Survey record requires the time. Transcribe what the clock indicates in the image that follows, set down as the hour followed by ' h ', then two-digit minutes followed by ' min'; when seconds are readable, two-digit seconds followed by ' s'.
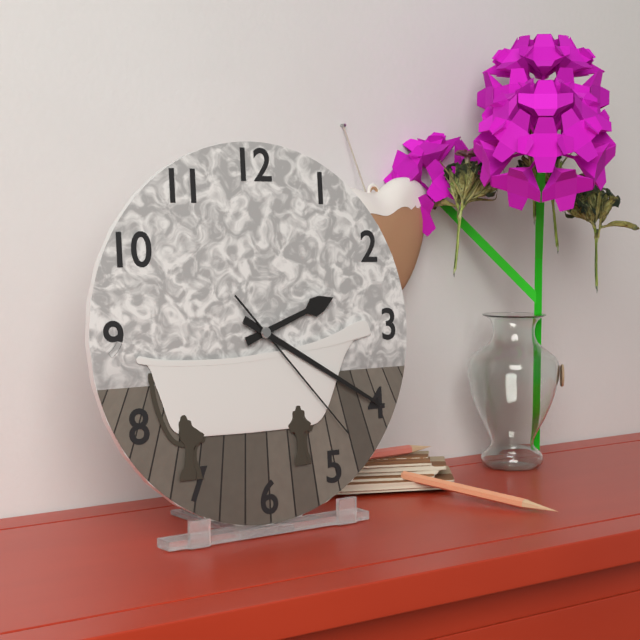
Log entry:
2 h 20 min 23 s
